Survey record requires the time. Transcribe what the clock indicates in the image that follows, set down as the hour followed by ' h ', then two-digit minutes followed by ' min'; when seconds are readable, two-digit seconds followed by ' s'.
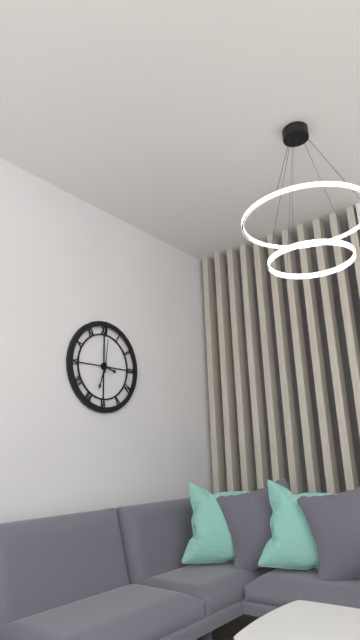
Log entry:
3 h 33 min
